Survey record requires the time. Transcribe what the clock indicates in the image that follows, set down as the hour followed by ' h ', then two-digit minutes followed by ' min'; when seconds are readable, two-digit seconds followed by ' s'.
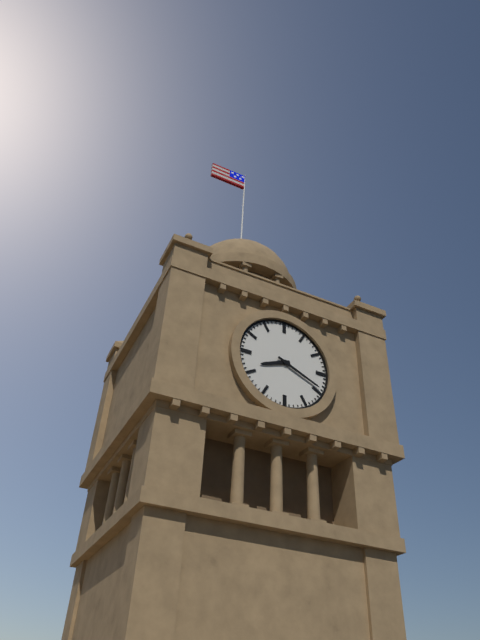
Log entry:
8 h 19 min
